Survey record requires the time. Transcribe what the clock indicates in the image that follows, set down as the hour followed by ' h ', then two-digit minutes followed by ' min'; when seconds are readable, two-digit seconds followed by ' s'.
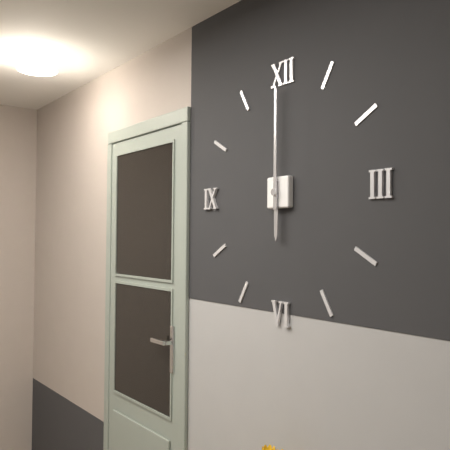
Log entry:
6 h 00 min
